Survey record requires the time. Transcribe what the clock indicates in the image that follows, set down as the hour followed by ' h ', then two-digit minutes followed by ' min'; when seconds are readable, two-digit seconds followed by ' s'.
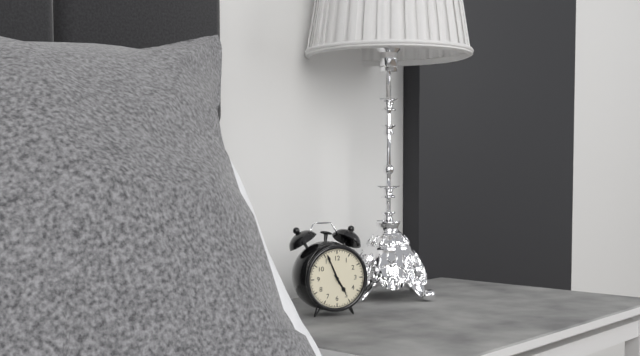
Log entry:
4 h 56 min
